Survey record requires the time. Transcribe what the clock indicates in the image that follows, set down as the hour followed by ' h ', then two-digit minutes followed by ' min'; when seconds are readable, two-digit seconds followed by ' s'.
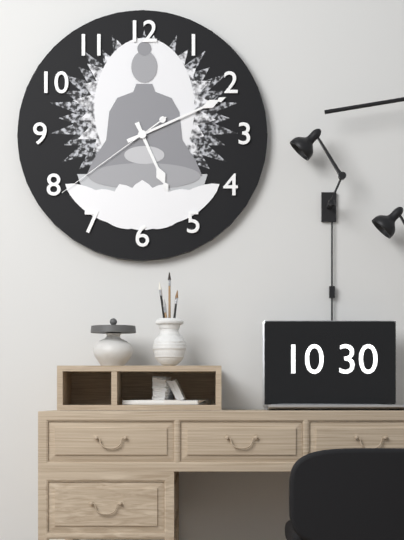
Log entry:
5 h 11 min 39 s
